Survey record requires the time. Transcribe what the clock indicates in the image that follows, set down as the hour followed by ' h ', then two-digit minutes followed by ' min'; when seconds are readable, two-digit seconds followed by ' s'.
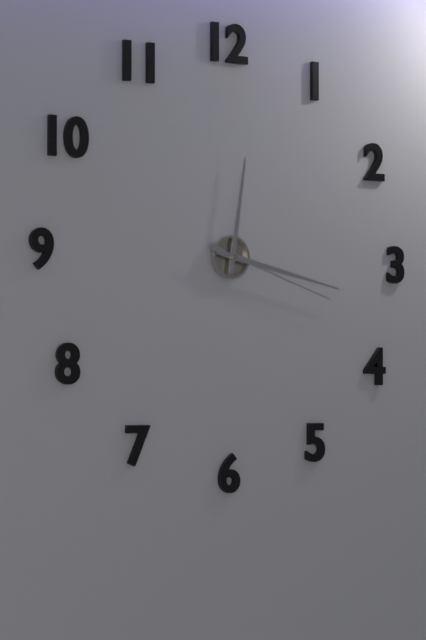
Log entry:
12 h 17 min 18 s
